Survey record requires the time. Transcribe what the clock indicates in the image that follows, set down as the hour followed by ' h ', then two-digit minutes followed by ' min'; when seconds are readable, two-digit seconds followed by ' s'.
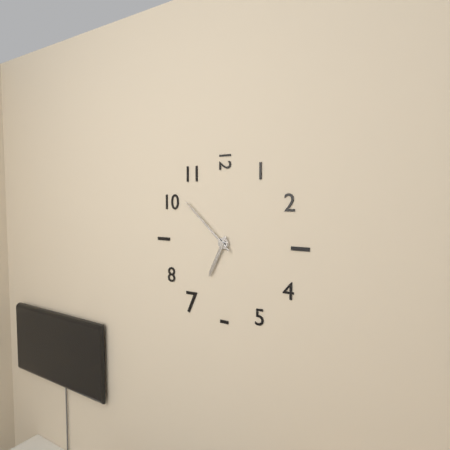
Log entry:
6 h 52 min
